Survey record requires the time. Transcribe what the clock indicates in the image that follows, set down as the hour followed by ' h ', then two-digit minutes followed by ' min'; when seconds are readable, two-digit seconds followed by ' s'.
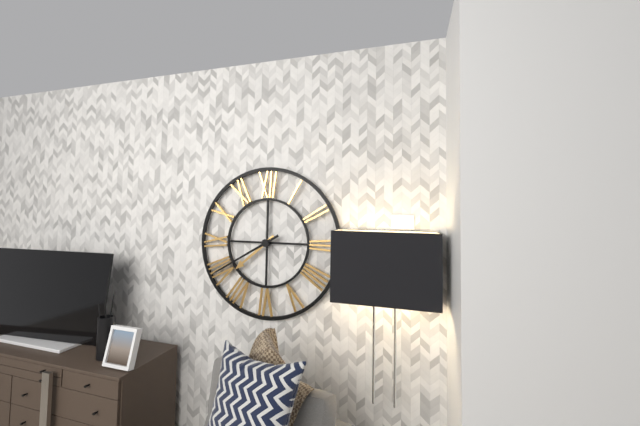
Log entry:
7 h 40 min
